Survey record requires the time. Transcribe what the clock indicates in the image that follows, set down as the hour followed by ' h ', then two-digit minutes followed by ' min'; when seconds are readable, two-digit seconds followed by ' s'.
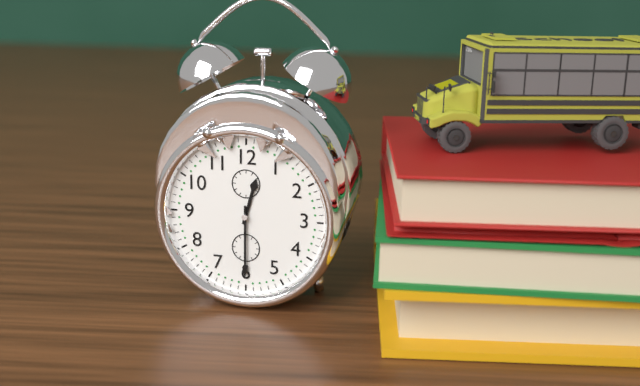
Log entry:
12 h 30 min
